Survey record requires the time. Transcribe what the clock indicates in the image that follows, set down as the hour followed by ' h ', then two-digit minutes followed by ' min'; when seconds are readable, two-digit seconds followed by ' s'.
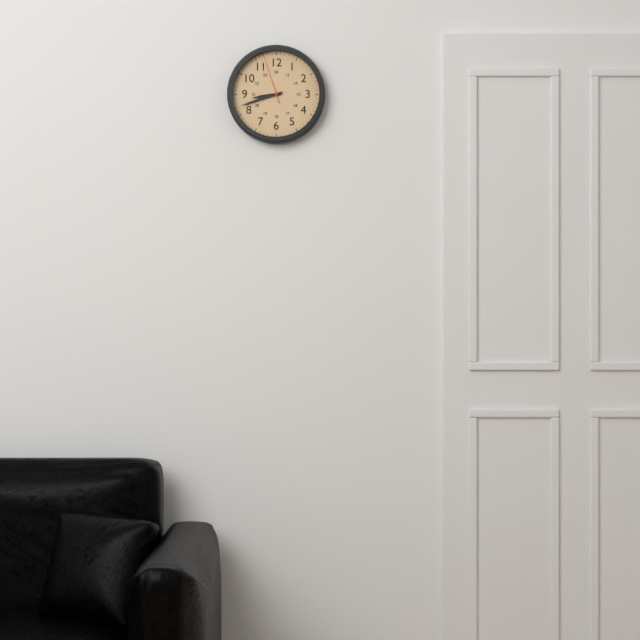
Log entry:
8 h 42 min
